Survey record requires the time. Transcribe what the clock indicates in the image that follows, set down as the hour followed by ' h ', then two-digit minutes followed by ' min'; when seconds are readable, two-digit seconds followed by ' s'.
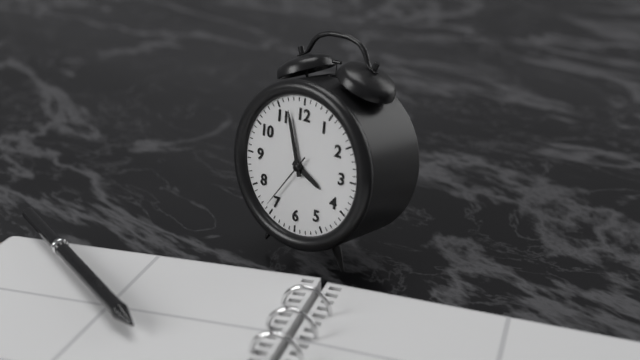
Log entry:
3 h 57 min 36 s
